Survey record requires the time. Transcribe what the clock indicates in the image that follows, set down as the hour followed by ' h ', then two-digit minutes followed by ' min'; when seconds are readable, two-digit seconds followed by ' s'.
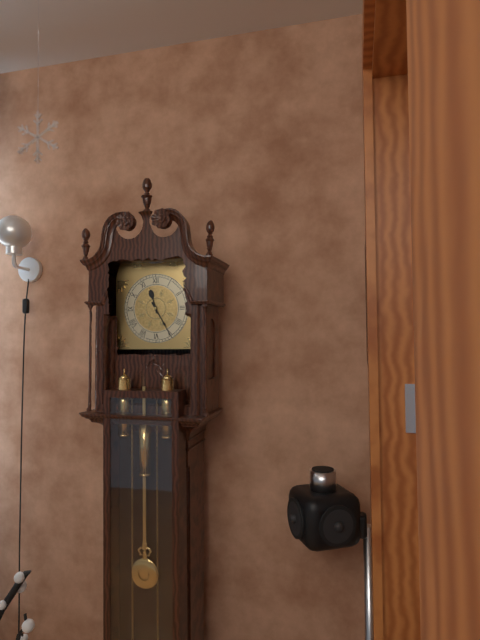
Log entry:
11 h 25 min
